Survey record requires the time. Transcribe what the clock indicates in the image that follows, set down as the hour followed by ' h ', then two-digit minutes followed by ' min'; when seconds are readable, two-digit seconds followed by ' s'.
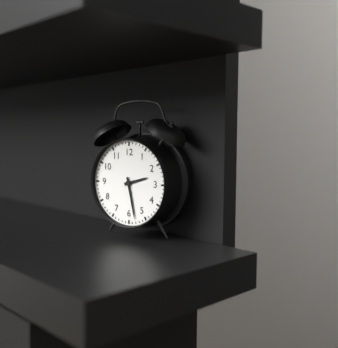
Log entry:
2 h 28 min
